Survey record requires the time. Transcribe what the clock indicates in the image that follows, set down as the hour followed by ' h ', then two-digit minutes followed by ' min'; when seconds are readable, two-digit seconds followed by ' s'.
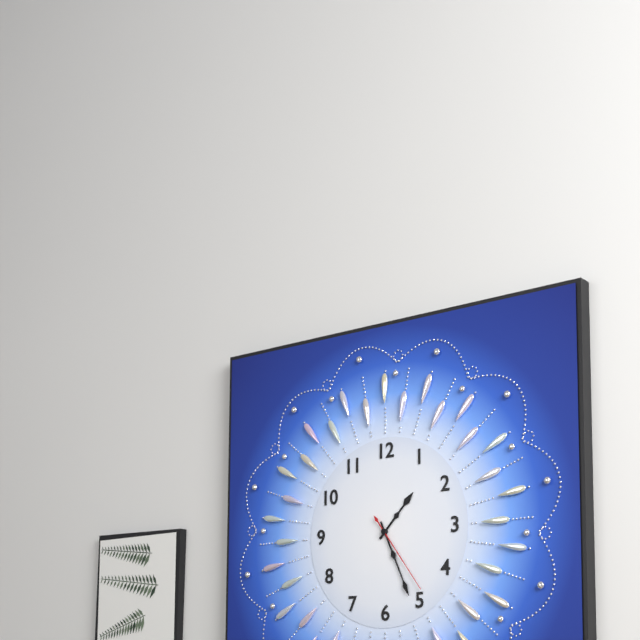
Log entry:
1 h 26 min 24 s
